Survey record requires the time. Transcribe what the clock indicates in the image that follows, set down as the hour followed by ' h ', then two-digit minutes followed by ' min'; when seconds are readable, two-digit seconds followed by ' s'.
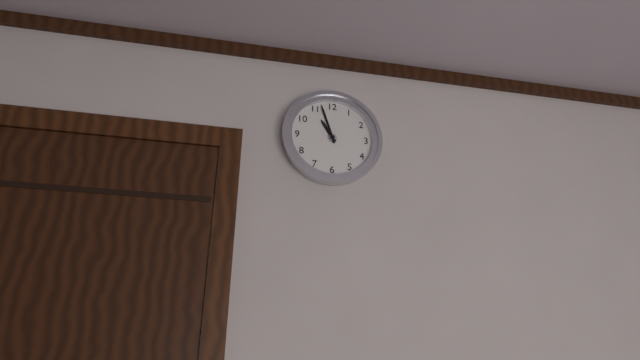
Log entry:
10 h 57 min
